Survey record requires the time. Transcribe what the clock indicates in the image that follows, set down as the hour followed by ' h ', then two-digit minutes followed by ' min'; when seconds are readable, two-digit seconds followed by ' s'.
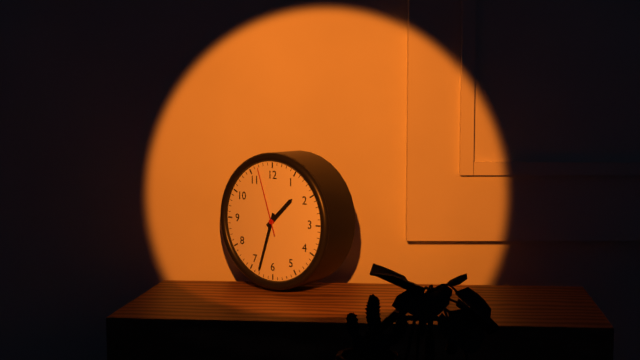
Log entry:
1 h 33 min 57 s
